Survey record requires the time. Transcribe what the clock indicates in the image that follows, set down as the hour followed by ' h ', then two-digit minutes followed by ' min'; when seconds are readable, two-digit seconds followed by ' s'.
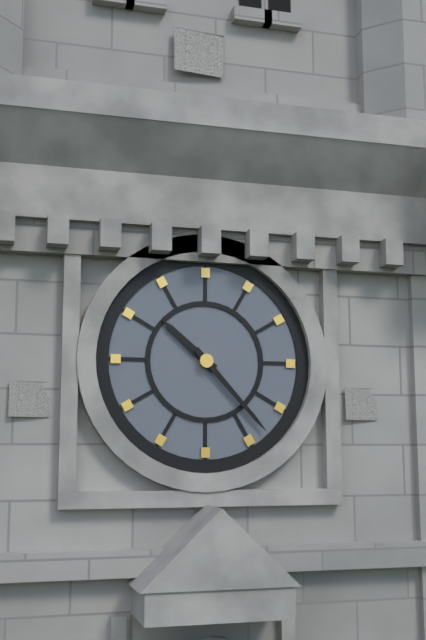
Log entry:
10 h 23 min
